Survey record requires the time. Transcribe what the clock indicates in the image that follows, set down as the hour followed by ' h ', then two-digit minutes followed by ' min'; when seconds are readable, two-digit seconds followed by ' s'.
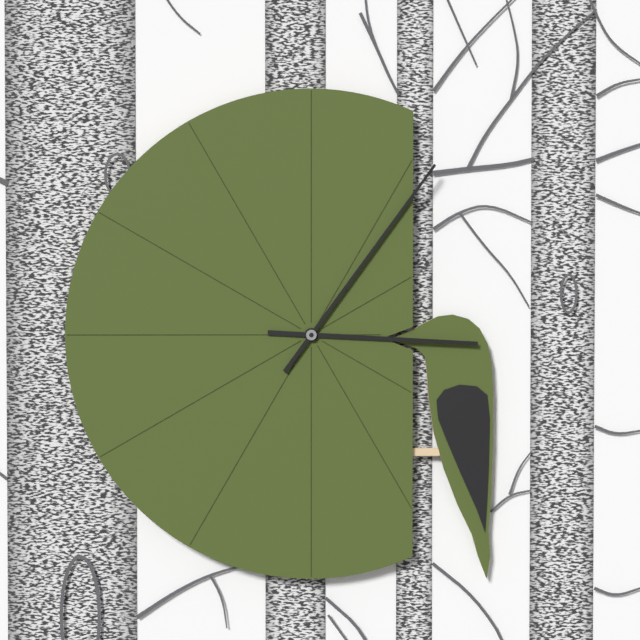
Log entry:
3 h 06 min
